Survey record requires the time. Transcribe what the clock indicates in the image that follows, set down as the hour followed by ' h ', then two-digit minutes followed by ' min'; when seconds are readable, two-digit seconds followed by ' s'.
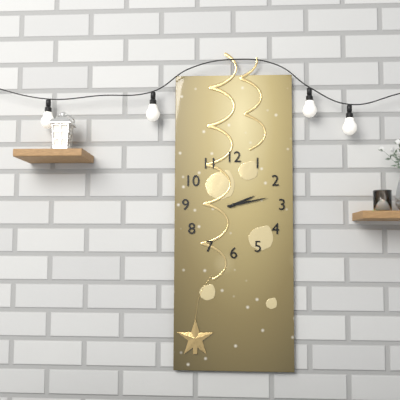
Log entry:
2 h 13 min
